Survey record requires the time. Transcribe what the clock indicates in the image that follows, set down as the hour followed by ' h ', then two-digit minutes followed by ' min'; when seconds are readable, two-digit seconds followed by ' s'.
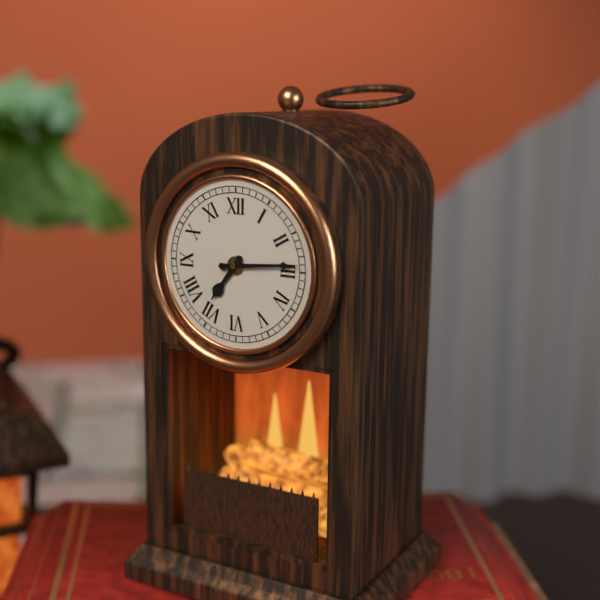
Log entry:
7 h 14 min
